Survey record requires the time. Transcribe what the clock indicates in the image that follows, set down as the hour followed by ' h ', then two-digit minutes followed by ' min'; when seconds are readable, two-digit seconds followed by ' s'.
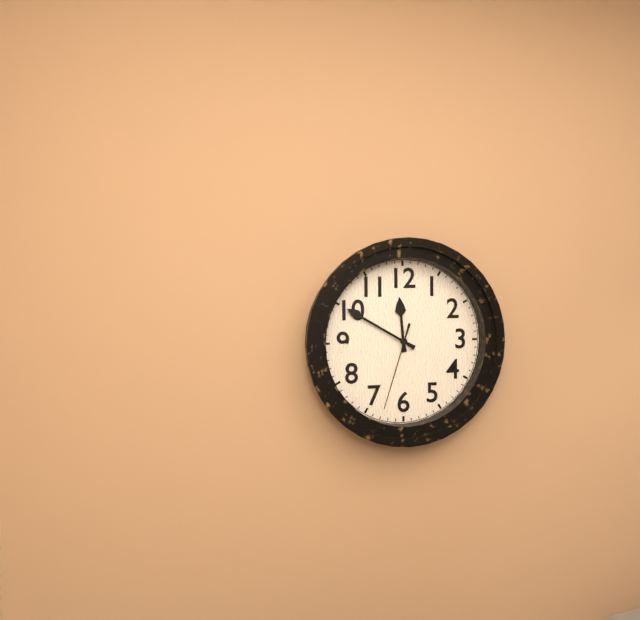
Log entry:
11 h 50 min 33 s
